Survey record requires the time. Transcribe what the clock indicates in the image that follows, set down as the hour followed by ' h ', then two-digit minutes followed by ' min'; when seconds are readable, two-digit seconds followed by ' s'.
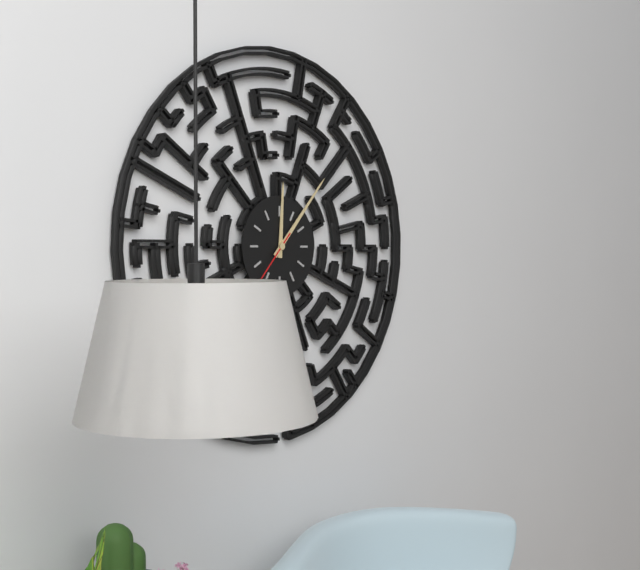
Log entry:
12 h 07 min
